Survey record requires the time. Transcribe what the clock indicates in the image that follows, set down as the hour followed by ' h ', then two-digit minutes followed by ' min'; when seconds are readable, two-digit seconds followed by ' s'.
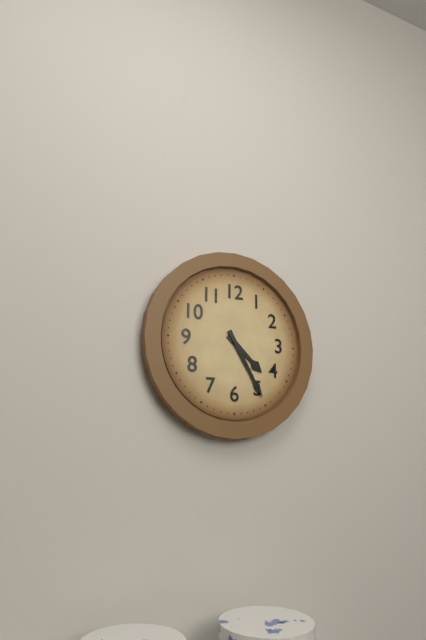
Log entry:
4 h 25 min
